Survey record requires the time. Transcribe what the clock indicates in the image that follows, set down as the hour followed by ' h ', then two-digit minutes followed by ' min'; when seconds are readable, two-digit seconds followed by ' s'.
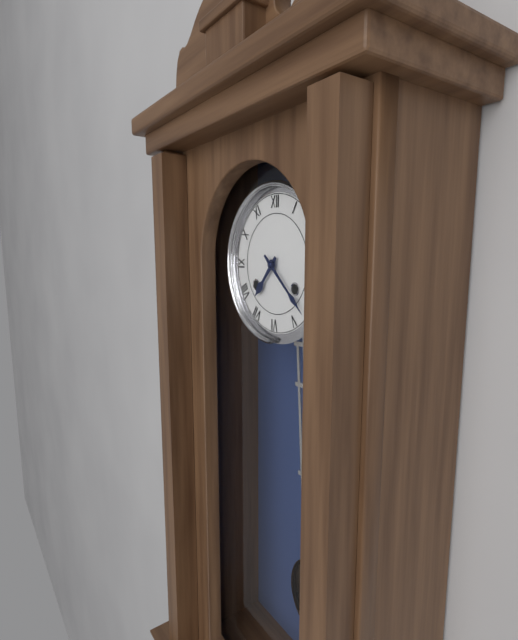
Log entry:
7 h 22 min
